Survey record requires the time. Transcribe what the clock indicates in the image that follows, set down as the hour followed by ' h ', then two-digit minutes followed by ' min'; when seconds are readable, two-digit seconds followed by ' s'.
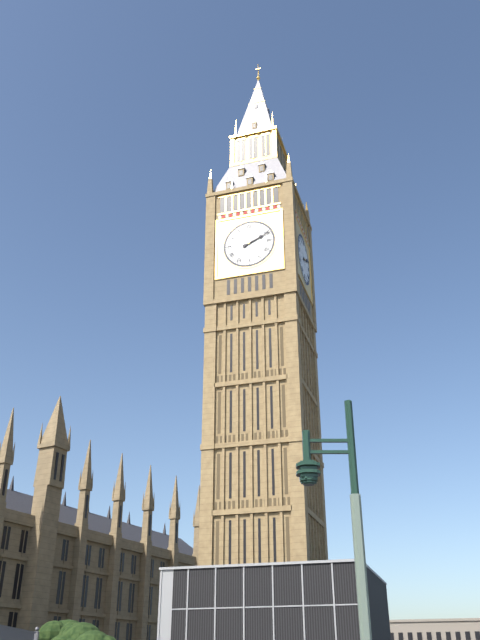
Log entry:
2 h 11 min
